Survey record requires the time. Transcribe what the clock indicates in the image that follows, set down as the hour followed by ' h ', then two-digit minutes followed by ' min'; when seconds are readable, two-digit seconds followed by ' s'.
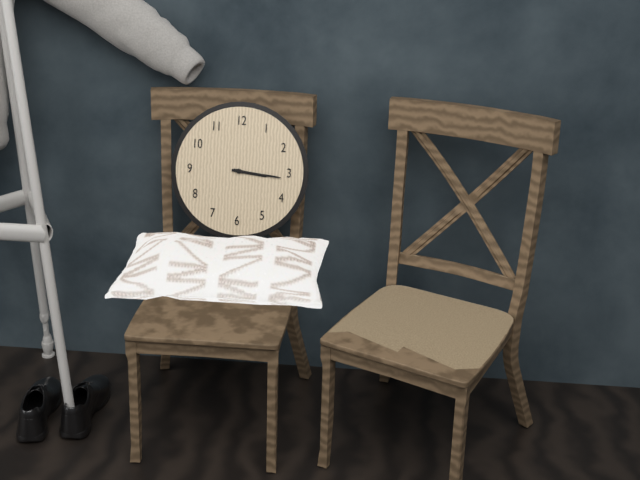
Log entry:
3 h 16 min
